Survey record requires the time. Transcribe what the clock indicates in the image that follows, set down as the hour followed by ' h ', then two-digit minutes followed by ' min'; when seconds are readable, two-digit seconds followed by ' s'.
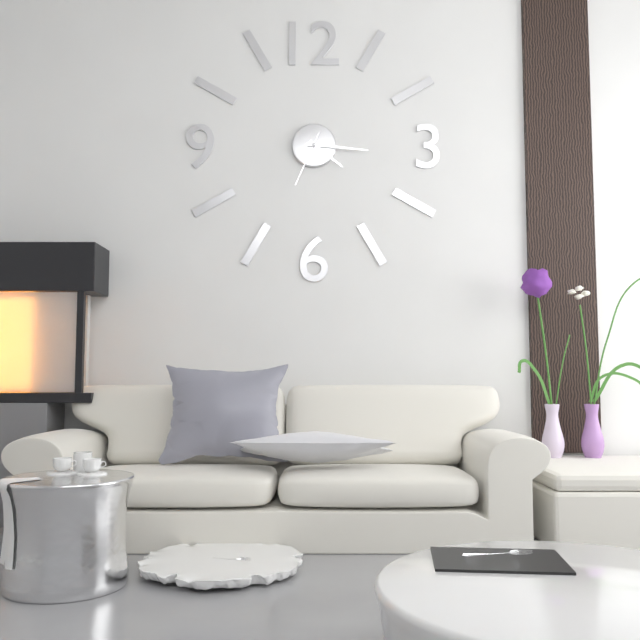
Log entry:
4 h 16 min 34 s
